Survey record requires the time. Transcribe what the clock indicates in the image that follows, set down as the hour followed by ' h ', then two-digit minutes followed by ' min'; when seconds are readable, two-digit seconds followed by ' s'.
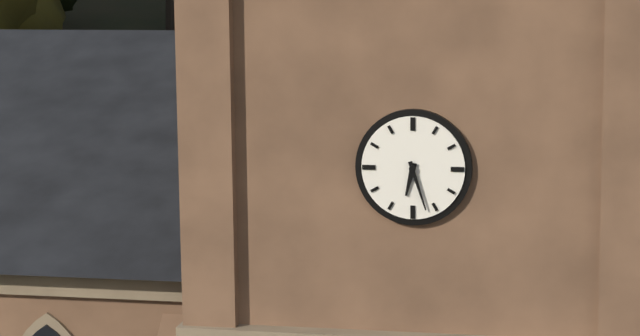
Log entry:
6 h 27 min
